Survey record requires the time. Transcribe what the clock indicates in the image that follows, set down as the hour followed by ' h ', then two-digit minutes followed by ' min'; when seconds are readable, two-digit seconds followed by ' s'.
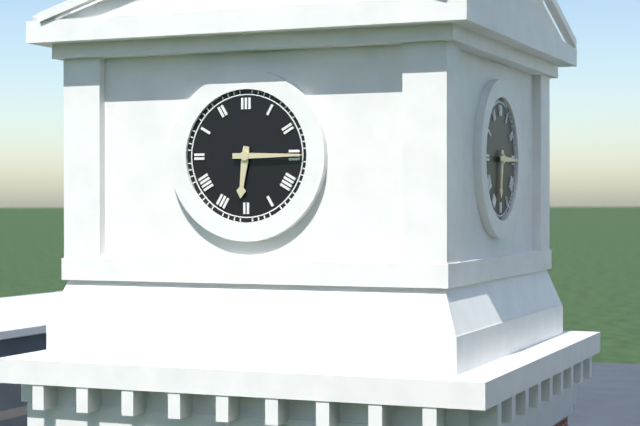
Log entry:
6 h 15 min
